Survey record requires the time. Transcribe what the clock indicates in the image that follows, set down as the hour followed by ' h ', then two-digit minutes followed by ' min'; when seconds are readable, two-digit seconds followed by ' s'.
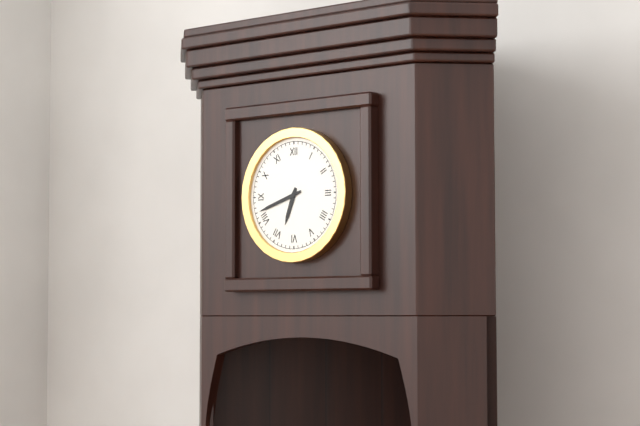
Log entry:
6 h 42 min
